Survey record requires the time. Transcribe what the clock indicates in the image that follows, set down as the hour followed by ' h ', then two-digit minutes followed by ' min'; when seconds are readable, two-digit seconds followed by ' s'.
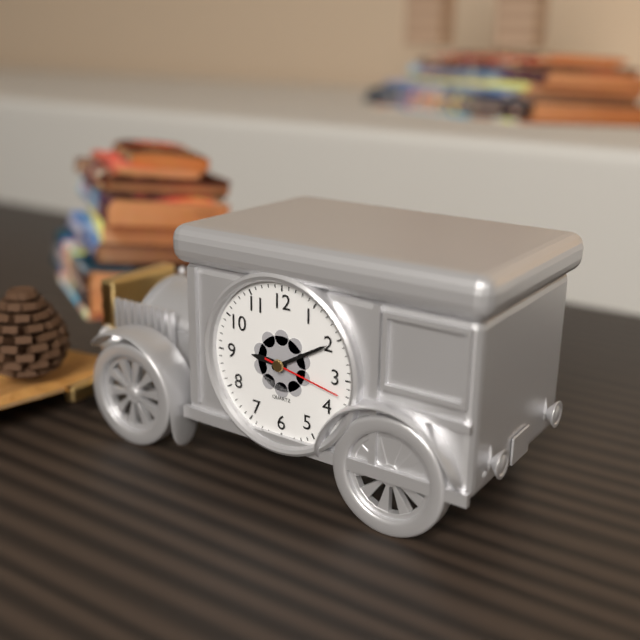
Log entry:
9 h 10 min 17 s
